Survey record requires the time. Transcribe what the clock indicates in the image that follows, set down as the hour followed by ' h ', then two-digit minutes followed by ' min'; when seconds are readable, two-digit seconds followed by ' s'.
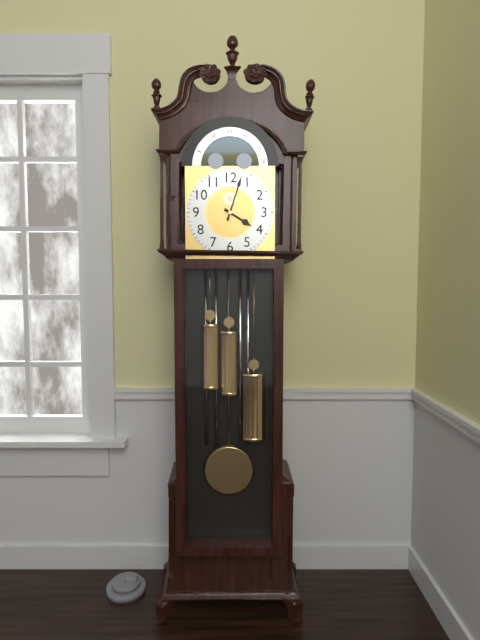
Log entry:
4 h 03 min
